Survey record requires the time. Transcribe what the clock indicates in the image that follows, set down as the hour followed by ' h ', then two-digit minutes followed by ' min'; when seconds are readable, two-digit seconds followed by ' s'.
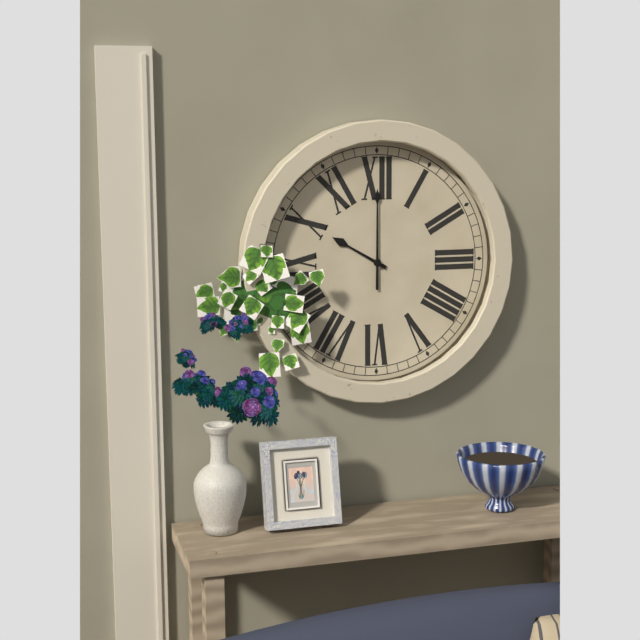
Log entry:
10 h 00 min
